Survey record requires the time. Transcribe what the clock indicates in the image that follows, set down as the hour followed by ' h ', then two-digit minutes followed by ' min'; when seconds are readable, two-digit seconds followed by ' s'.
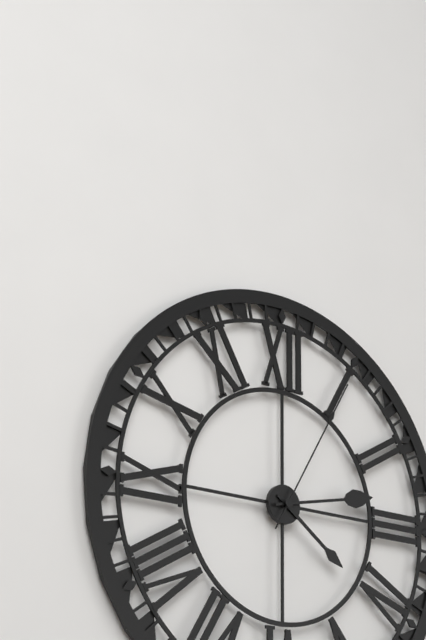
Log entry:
4 h 13 min 05 s
